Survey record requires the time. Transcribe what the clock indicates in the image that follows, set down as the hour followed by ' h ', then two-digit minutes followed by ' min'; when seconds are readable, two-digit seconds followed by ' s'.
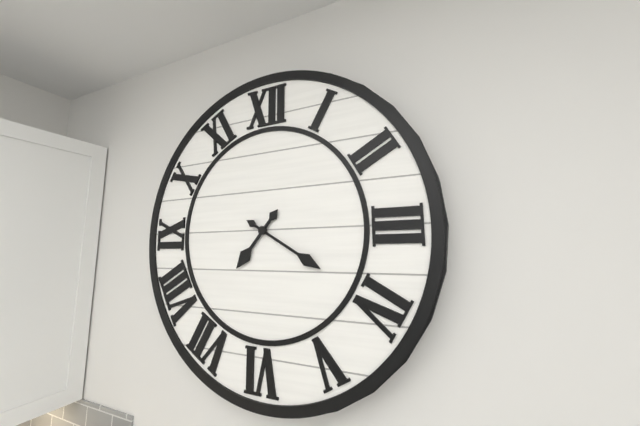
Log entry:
7 h 20 min
